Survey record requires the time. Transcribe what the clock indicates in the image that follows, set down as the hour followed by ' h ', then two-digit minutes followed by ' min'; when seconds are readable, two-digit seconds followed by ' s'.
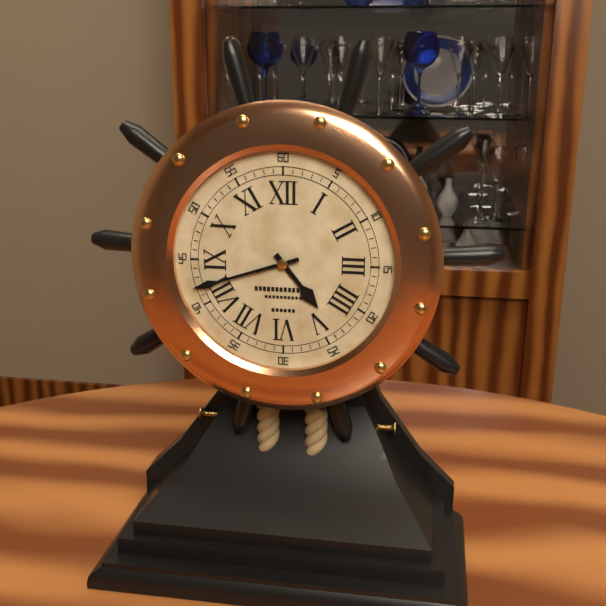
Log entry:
4 h 42 min
